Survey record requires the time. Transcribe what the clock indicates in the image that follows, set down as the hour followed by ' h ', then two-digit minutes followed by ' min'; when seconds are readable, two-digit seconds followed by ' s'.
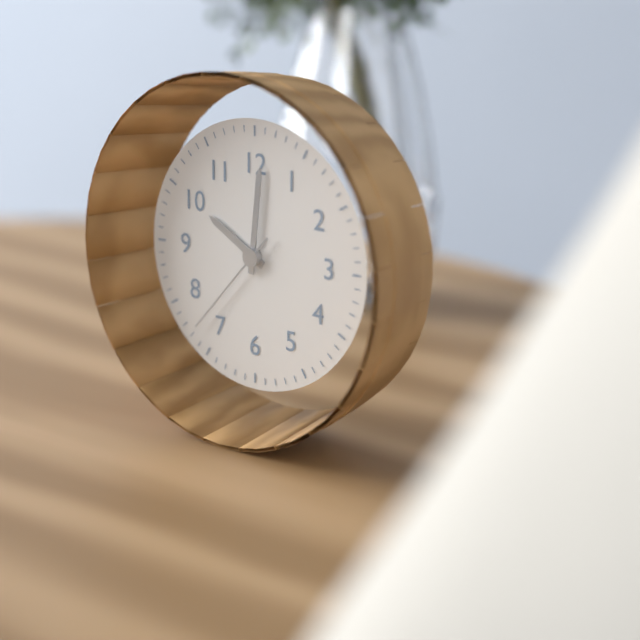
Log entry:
10 h 01 min 37 s
